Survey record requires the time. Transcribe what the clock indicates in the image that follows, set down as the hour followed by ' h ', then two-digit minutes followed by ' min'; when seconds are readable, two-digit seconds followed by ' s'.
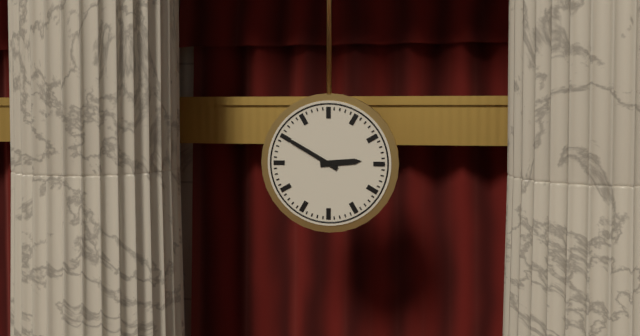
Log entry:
2 h 50 min
